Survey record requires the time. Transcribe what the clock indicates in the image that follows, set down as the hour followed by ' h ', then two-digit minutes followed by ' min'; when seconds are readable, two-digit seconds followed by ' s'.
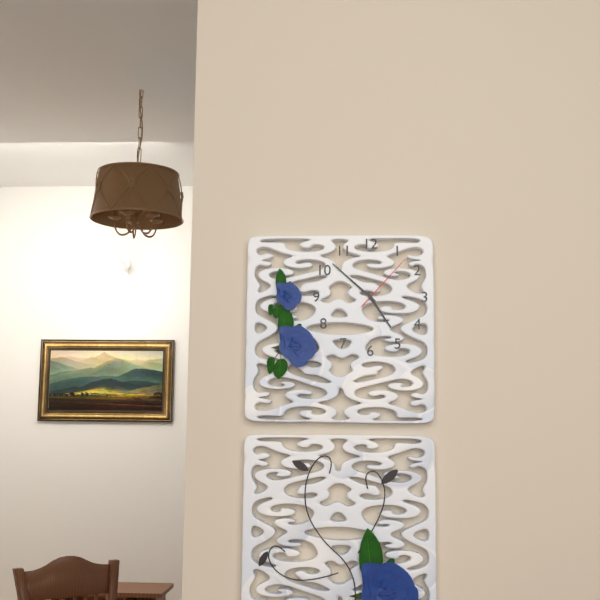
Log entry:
4 h 52 min 07 s
